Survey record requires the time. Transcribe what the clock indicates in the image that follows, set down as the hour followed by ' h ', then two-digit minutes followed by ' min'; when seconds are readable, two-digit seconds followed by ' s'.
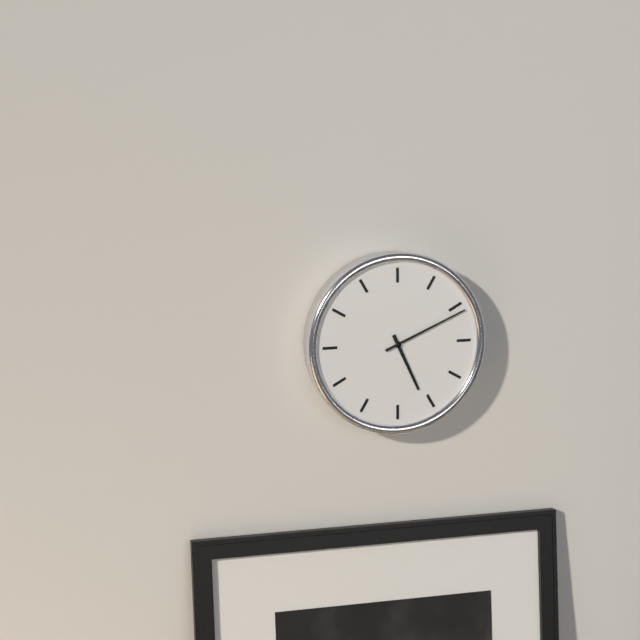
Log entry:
5 h 11 min
